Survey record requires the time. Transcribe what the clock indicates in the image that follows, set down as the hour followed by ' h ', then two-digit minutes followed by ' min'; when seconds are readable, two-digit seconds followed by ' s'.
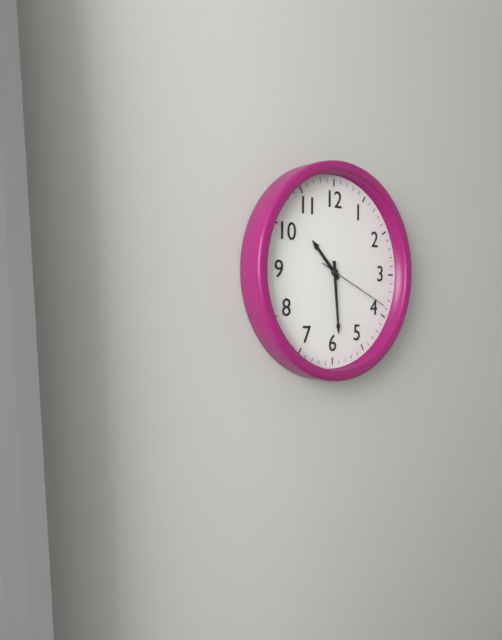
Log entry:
10 h 29 min 19 s
